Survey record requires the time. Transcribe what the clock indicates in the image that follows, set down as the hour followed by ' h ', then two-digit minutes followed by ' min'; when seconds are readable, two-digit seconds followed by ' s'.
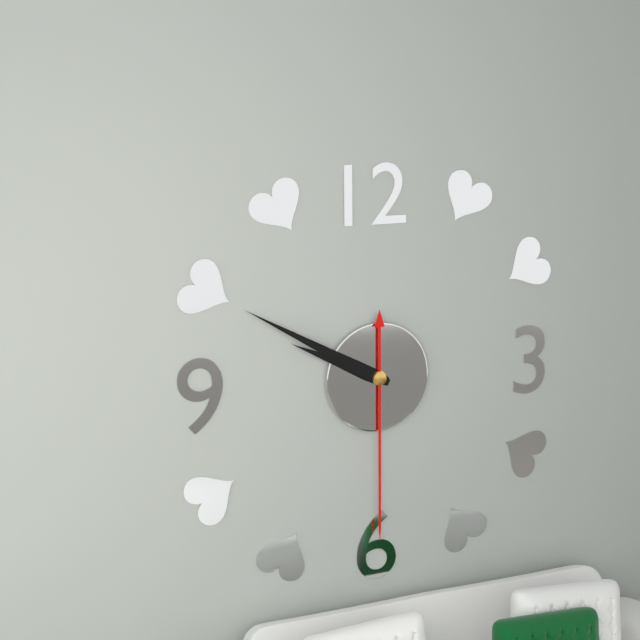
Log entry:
9 h 50 min 30 s
